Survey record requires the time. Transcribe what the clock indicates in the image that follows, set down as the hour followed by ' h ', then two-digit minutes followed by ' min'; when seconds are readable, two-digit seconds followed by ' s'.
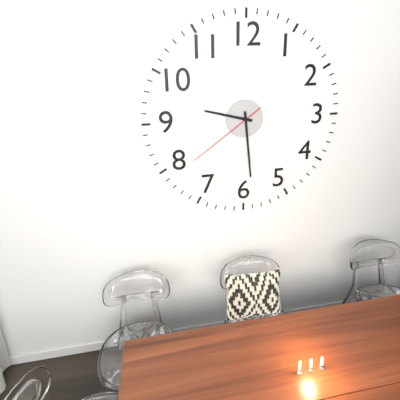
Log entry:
9 h 29 min 39 s
